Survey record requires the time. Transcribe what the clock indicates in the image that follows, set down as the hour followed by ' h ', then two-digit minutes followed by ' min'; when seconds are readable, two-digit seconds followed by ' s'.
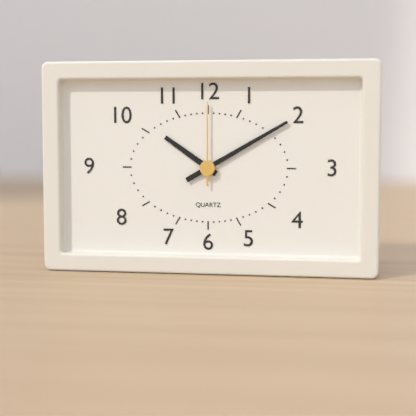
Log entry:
10 h 10 min 00 s
